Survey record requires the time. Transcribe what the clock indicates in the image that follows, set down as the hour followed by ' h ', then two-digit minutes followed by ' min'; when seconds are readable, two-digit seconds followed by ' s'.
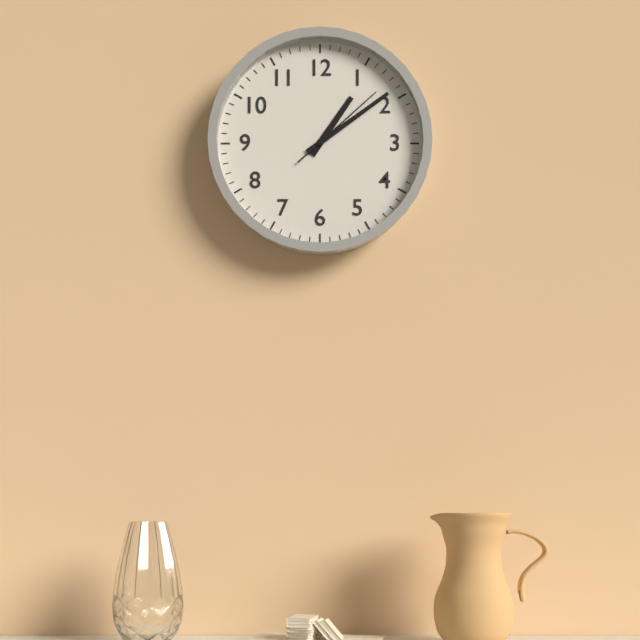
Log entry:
1 h 09 min 08 s
